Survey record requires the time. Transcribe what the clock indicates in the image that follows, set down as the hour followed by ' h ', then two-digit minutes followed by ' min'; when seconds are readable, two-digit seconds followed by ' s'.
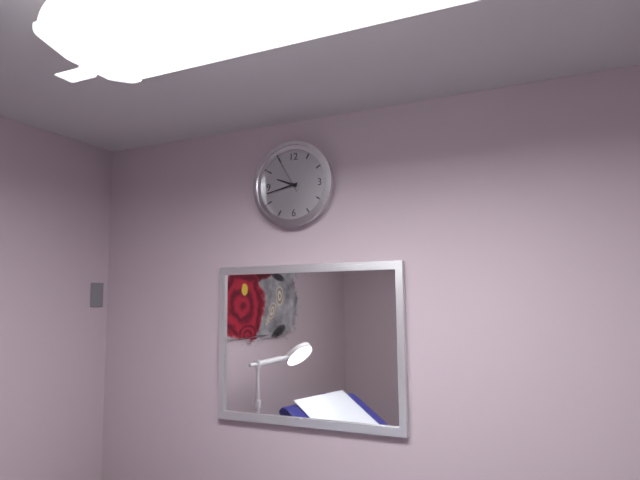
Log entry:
9 h 43 min
